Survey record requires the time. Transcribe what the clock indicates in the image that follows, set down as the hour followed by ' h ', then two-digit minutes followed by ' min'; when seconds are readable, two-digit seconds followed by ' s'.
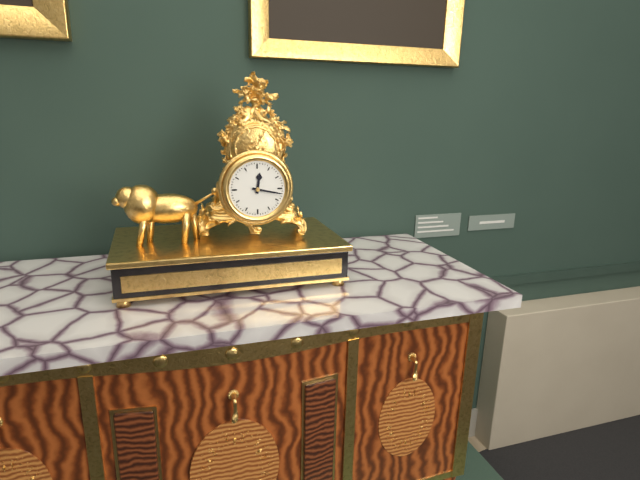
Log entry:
12 h 17 min
